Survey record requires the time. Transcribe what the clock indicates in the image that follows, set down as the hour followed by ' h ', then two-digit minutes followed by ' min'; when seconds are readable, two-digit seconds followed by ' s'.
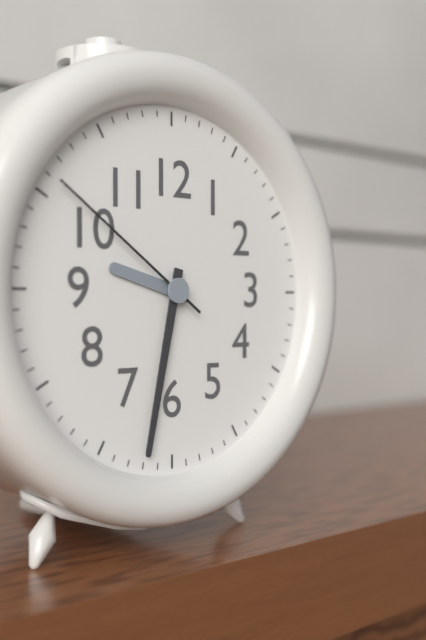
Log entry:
9 h 32 min 51 s
